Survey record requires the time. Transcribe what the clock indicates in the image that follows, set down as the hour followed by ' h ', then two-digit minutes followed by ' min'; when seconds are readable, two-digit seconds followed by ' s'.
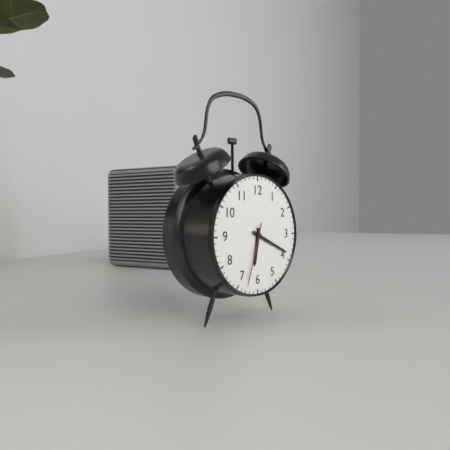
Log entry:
6 h 19 min 33 s
